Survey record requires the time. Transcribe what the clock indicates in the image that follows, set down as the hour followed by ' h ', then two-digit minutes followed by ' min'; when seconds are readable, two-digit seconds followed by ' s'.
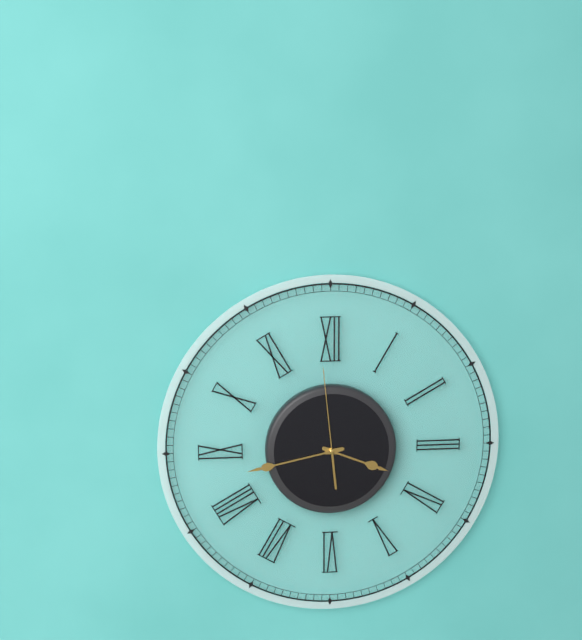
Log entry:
3 h 43 min 59 s
